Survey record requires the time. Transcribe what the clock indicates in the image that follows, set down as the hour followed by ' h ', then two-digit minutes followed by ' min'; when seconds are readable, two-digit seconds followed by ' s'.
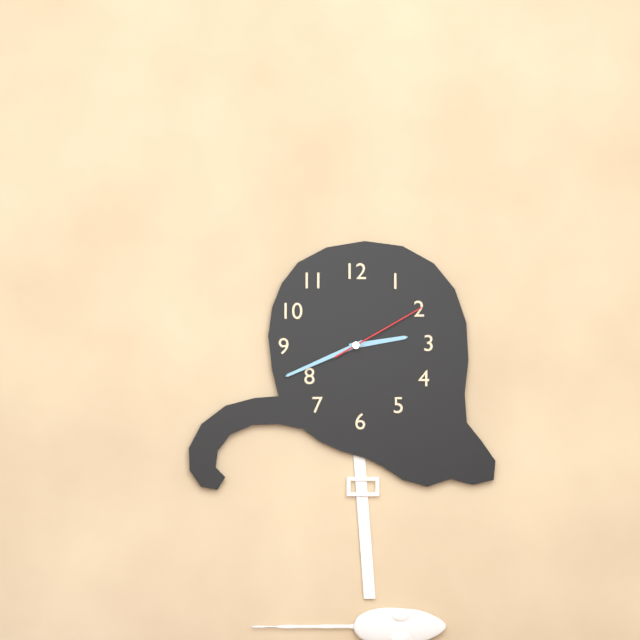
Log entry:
2 h 41 min 10 s
